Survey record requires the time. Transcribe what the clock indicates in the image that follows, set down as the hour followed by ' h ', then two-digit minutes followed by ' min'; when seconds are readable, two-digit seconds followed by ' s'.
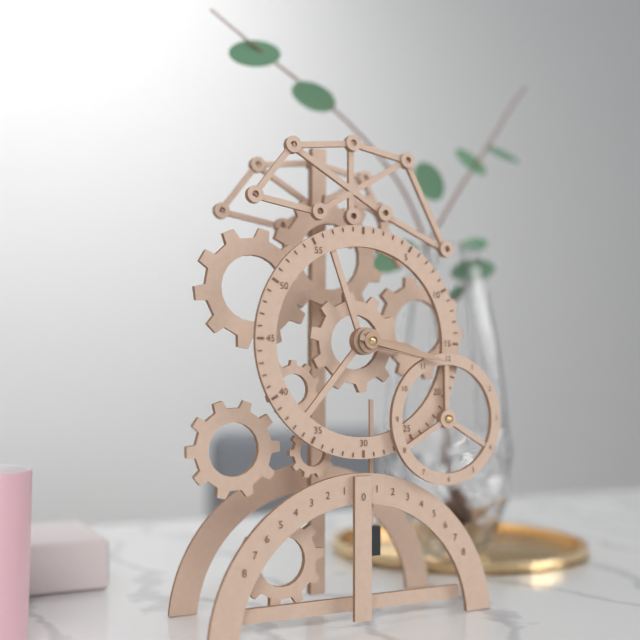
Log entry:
3 h 17 min
